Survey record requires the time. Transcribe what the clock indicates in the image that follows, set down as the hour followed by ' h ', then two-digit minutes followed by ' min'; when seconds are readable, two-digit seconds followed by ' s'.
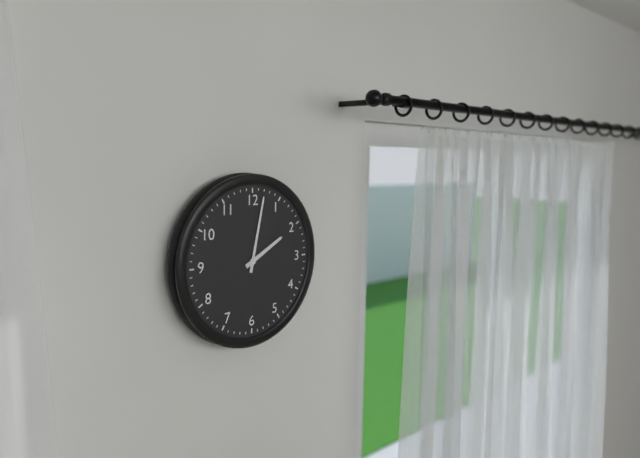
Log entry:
2 h 02 min
